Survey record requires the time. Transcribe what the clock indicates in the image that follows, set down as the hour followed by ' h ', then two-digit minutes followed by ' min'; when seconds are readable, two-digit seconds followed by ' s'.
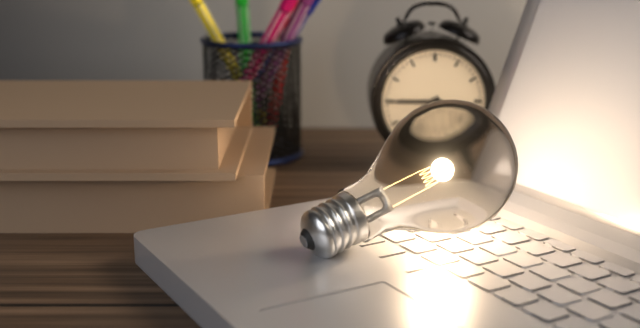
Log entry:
7 h 45 min
